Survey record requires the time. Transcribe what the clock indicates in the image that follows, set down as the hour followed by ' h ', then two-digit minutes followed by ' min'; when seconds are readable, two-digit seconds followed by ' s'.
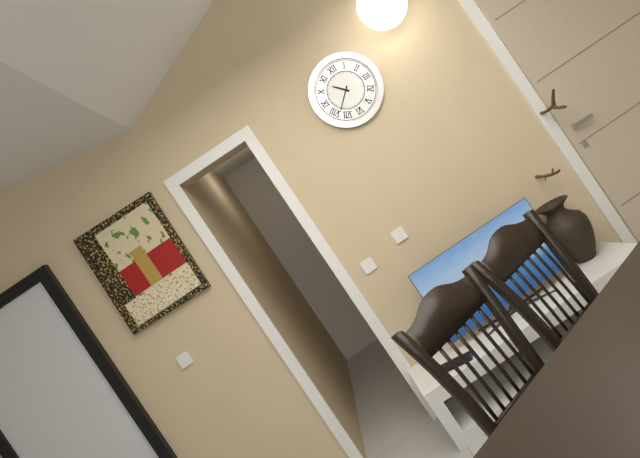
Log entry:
10 h 38 min
